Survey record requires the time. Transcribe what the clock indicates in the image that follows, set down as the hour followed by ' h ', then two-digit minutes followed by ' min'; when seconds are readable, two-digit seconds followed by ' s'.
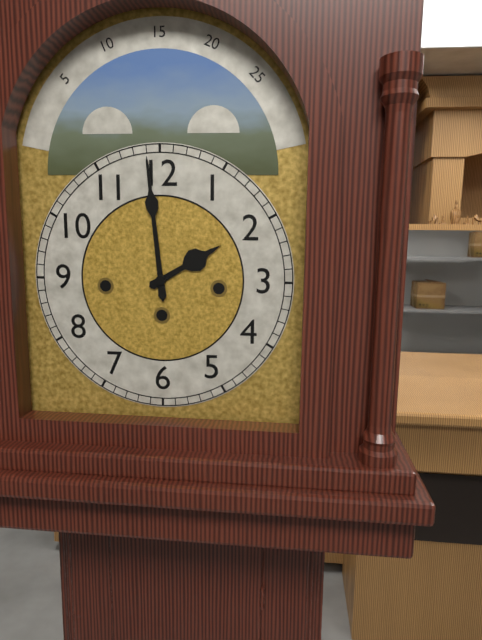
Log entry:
1 h 59 min
